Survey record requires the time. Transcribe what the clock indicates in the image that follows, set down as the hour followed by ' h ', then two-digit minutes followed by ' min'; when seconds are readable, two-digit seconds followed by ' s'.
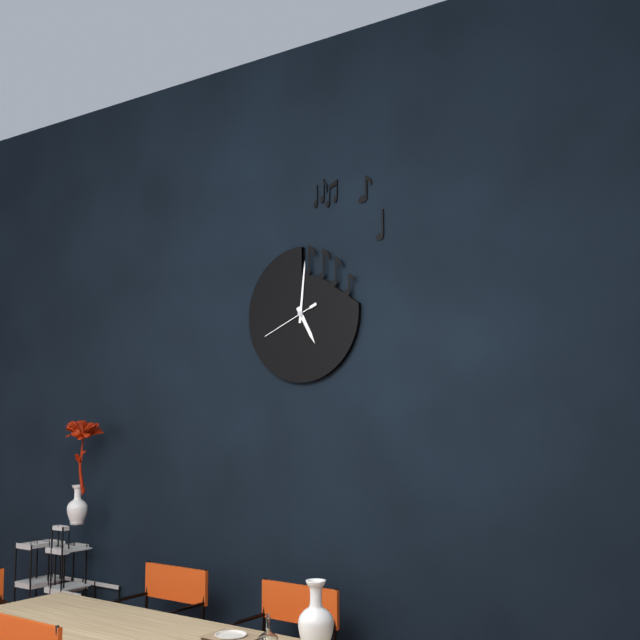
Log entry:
5 h 01 min 41 s
